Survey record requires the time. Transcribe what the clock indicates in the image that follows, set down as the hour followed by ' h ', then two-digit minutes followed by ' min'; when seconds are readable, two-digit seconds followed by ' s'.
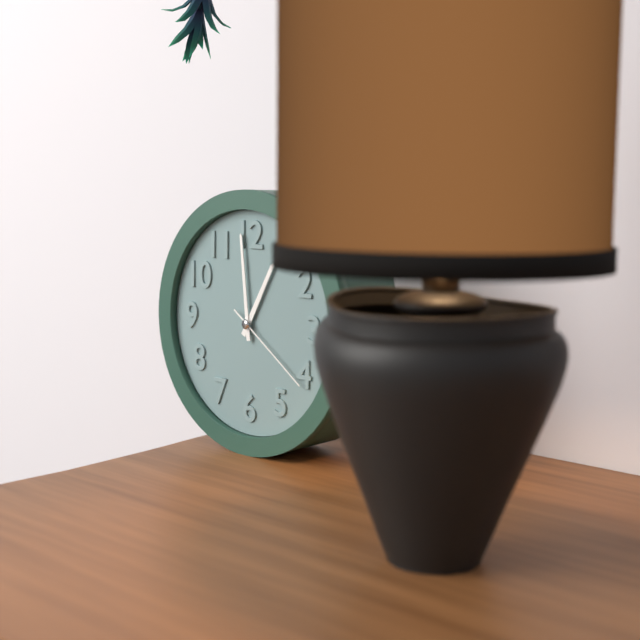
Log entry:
12 h 59 min 21 s
